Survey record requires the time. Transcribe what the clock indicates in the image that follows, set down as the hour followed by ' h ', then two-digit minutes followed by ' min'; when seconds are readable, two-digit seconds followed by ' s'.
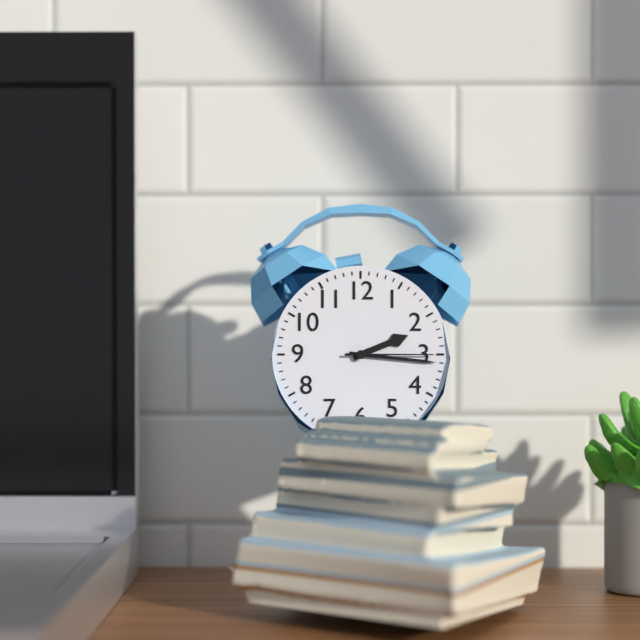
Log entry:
2 h 16 min 15 s
